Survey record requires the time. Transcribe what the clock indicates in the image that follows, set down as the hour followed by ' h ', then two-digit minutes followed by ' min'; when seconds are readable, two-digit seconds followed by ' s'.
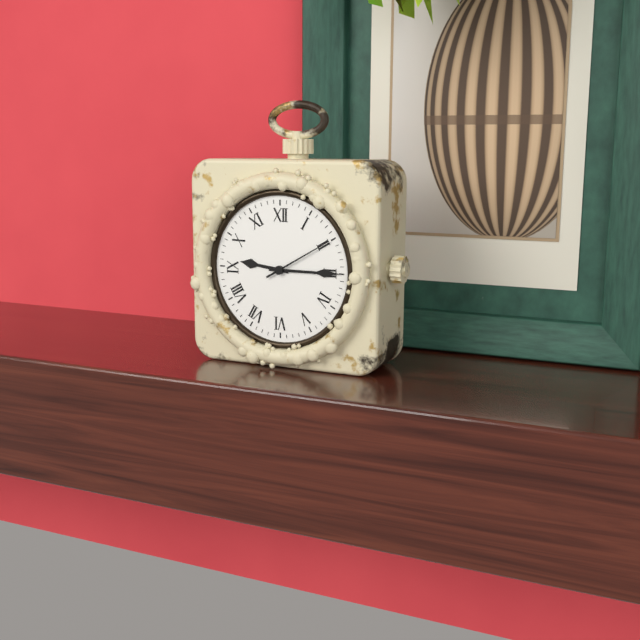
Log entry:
9 h 15 min 10 s
